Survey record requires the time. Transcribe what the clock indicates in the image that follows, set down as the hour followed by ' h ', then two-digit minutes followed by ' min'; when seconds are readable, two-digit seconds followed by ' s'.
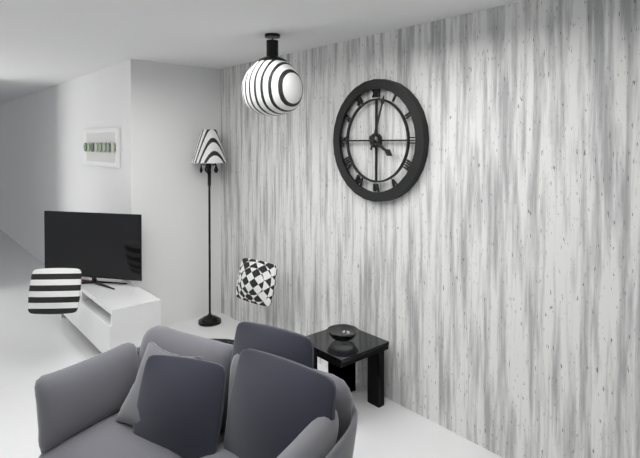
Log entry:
4 h 03 min
